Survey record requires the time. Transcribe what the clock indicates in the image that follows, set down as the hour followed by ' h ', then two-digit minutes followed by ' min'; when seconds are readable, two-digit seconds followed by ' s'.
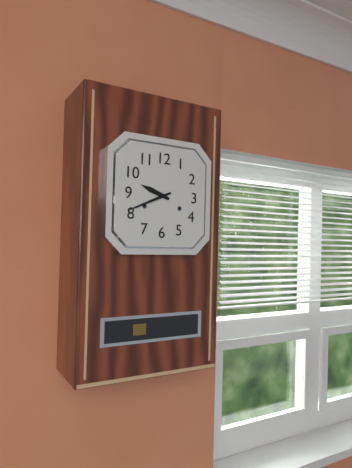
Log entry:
9 h 41 min
